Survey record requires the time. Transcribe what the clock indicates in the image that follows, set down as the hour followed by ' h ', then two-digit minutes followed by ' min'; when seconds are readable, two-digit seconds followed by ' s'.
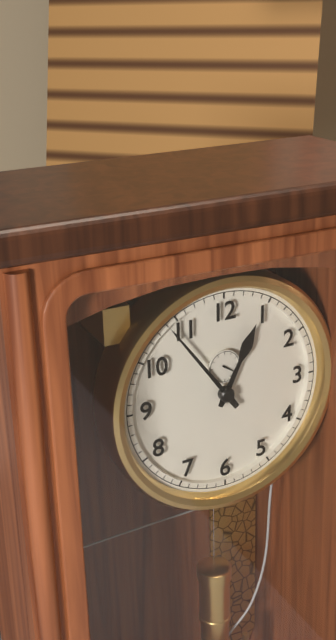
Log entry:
12 h 54 min
